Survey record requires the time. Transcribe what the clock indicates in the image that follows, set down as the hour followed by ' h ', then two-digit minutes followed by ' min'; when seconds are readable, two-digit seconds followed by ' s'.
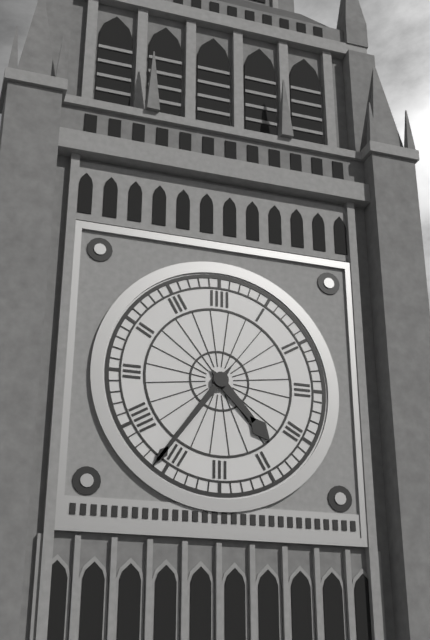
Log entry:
4 h 36 min
